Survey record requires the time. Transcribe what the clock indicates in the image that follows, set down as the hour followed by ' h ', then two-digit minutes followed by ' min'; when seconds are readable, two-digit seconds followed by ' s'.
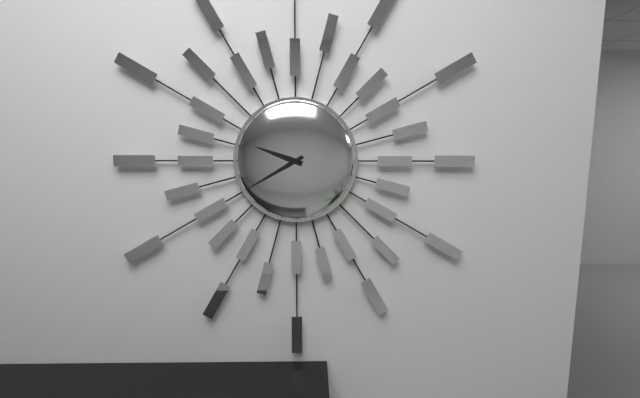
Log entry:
9 h 40 min
